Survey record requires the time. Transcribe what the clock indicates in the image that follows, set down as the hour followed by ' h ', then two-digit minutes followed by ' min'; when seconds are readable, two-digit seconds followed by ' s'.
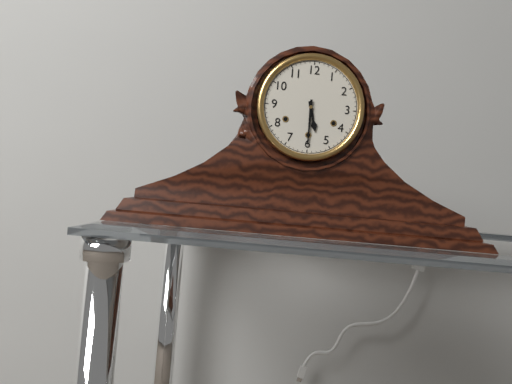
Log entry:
5 h 30 min
